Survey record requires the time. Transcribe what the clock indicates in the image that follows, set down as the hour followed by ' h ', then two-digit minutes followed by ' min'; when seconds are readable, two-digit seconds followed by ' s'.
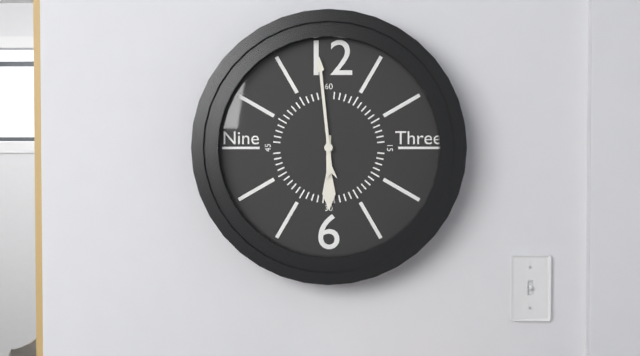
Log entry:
5 h 59 min
